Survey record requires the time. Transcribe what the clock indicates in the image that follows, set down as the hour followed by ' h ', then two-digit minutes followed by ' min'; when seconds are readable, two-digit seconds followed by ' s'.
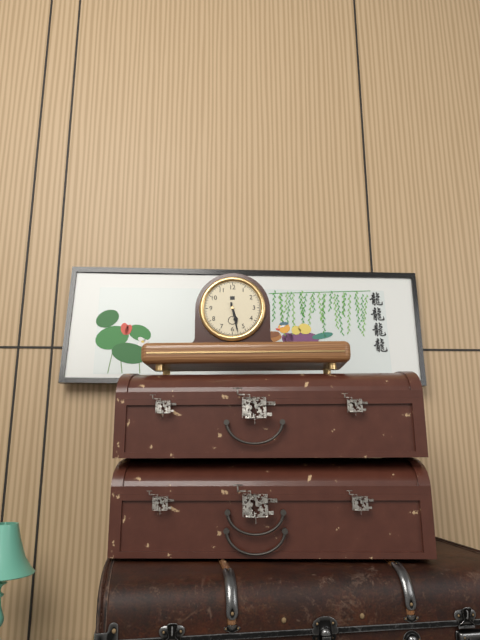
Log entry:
5 h 28 min
